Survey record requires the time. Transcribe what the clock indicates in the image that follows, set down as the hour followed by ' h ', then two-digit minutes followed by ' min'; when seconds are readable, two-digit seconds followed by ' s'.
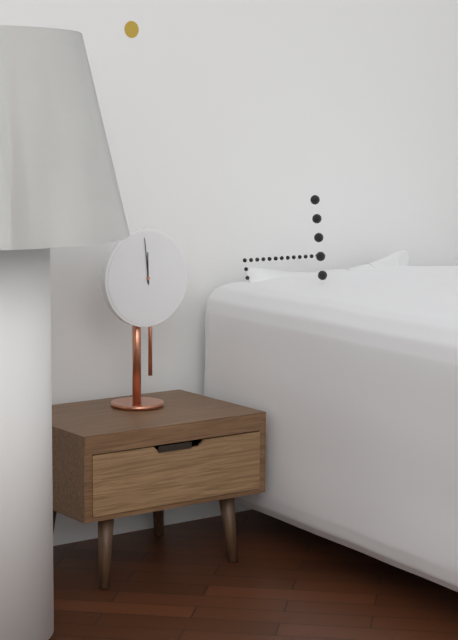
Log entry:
11 h 59 min
